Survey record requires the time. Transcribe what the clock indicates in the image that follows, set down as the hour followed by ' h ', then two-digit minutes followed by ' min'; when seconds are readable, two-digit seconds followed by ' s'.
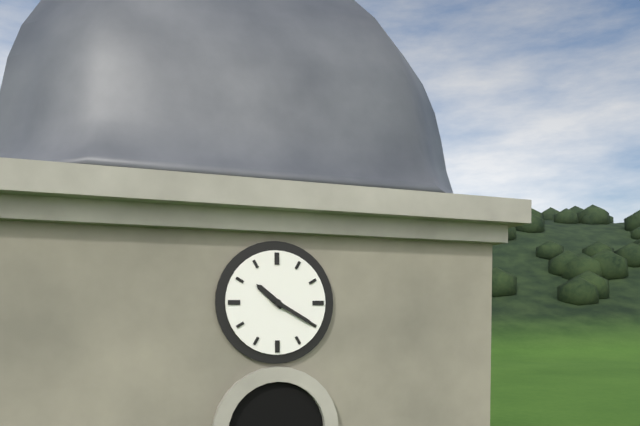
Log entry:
10 h 20 min
